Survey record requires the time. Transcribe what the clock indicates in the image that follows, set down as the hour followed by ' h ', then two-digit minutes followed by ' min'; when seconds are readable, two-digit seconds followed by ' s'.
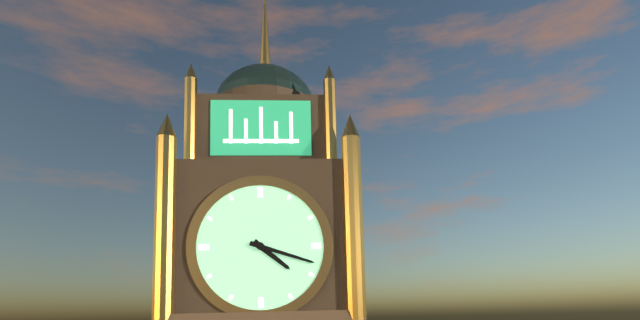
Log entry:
4 h 18 min
